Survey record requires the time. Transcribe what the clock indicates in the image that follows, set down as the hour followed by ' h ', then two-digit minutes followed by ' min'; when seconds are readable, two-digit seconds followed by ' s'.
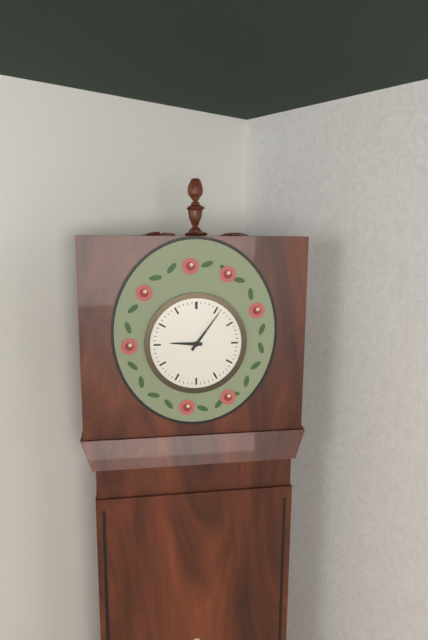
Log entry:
9 h 06 min
